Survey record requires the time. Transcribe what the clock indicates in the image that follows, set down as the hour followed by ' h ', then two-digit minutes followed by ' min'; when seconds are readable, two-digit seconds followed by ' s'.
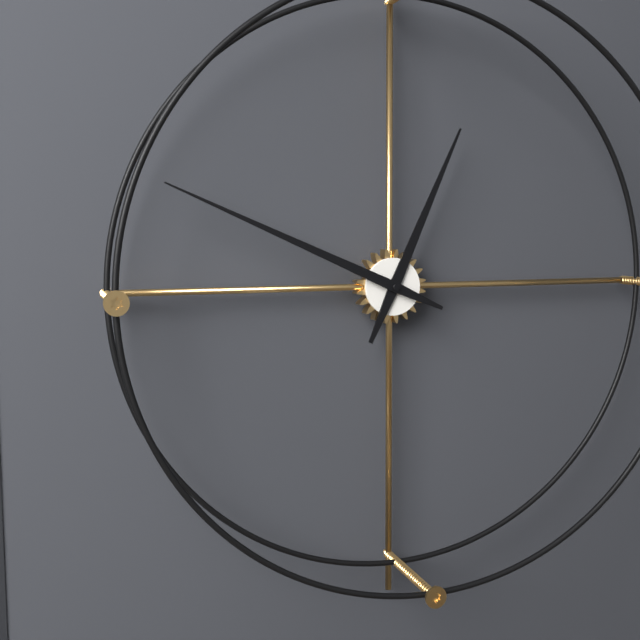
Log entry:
12 h 49 min
